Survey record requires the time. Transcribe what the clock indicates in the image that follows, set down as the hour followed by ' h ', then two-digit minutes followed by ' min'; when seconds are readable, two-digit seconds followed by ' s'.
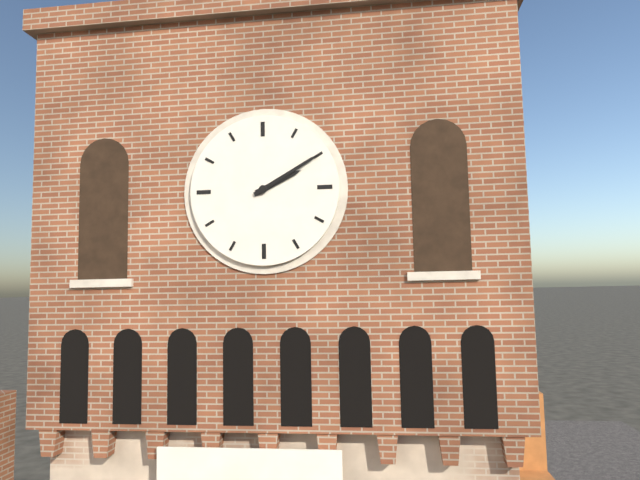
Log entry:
2 h 10 min
